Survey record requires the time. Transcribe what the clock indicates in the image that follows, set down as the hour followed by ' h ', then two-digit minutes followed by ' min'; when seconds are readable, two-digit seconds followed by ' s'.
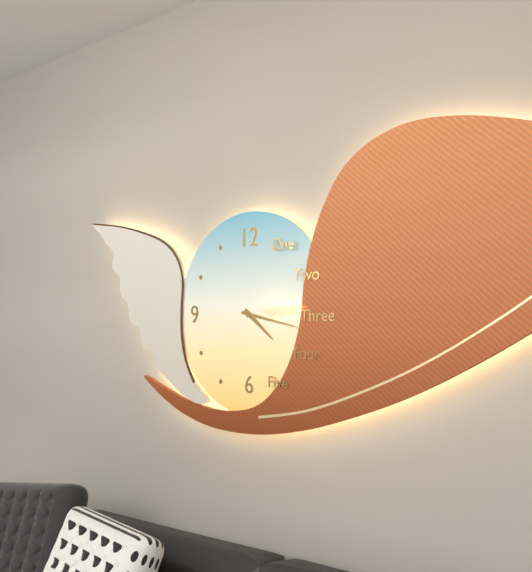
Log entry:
4 h 17 min
